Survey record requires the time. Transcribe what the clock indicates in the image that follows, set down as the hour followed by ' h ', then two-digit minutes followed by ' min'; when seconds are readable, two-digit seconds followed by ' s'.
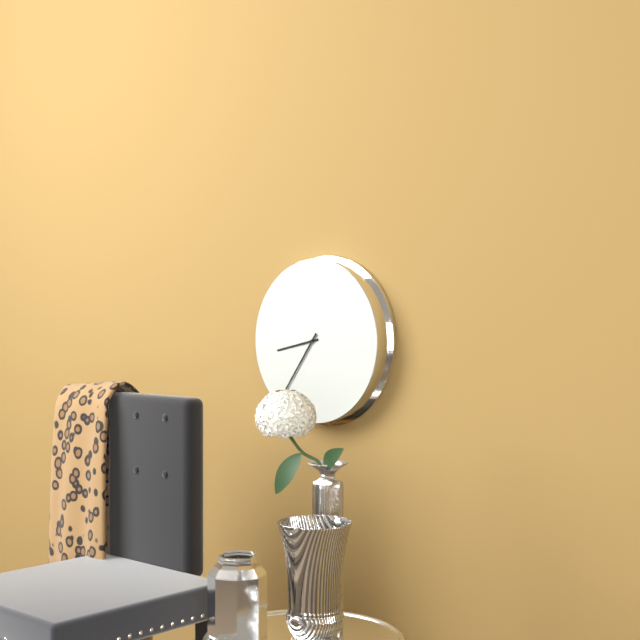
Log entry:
8 h 36 min
